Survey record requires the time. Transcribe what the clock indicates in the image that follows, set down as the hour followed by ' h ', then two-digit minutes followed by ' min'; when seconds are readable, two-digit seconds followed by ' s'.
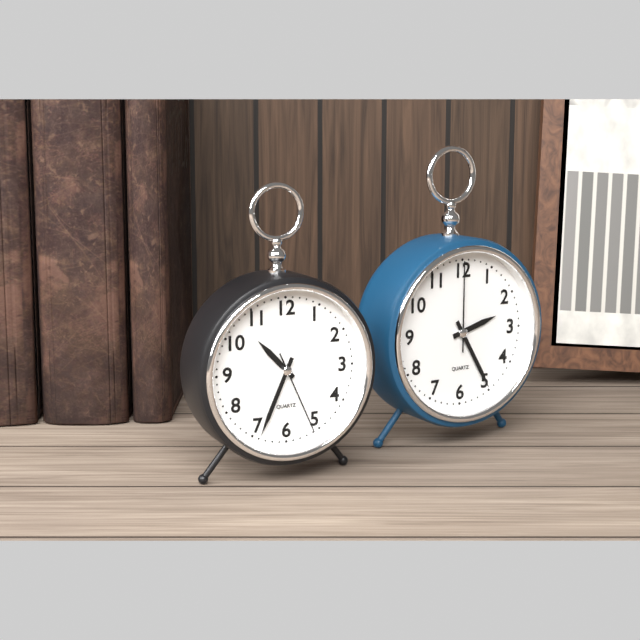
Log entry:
10 h 34 min 26 s
